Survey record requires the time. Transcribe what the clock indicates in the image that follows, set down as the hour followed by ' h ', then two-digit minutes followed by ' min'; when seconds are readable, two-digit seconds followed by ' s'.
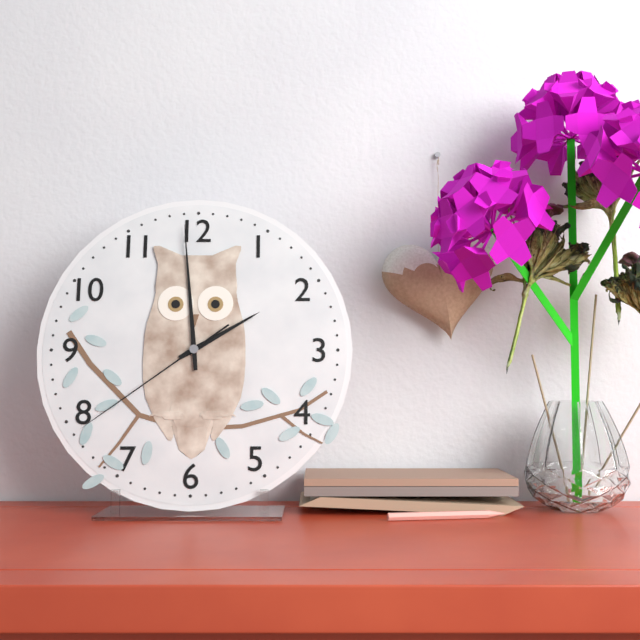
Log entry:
1 h 59 min 39 s
